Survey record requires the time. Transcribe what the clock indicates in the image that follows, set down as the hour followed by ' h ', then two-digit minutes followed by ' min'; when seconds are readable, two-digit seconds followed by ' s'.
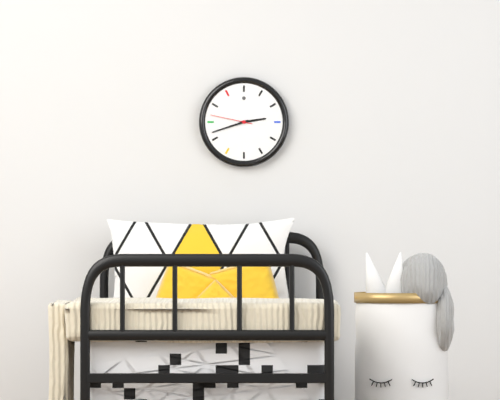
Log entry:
2 h 42 min
